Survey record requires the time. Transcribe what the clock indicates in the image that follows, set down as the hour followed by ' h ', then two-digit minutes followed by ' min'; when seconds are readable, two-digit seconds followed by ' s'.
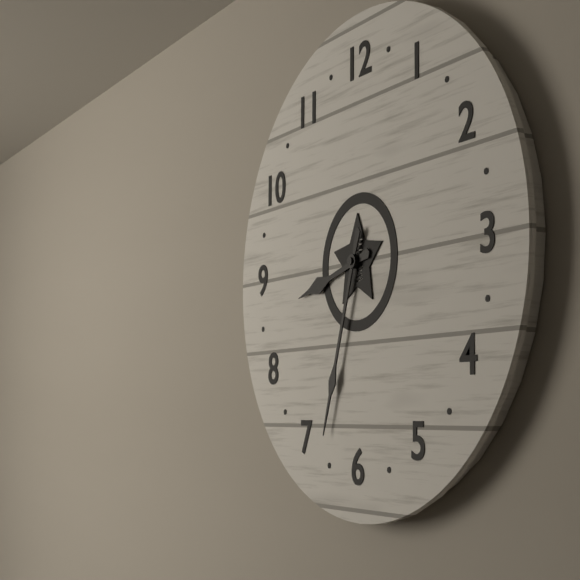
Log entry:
8 h 33 min
